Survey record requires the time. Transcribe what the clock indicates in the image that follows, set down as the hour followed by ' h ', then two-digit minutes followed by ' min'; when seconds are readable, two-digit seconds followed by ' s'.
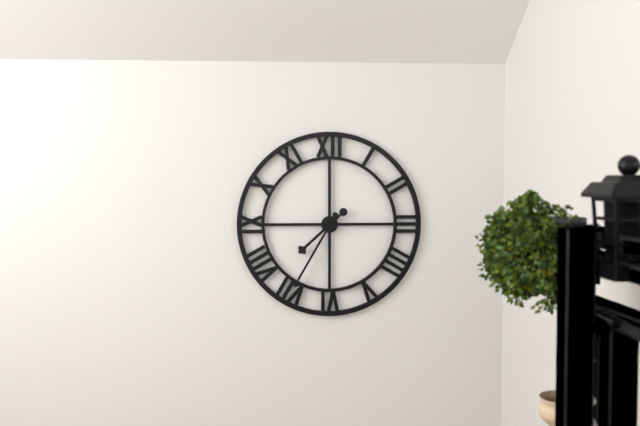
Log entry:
7 h 35 min
